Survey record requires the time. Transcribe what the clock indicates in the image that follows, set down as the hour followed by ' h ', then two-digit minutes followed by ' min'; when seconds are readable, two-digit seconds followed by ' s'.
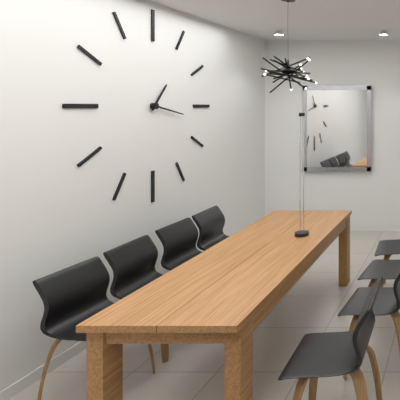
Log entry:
1 h 17 min
